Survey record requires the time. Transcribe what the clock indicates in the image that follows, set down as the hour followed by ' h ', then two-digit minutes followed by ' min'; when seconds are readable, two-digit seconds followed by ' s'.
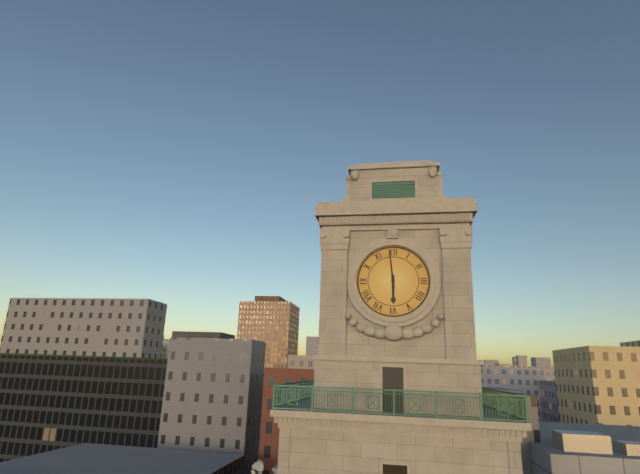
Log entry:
5 h 59 min
